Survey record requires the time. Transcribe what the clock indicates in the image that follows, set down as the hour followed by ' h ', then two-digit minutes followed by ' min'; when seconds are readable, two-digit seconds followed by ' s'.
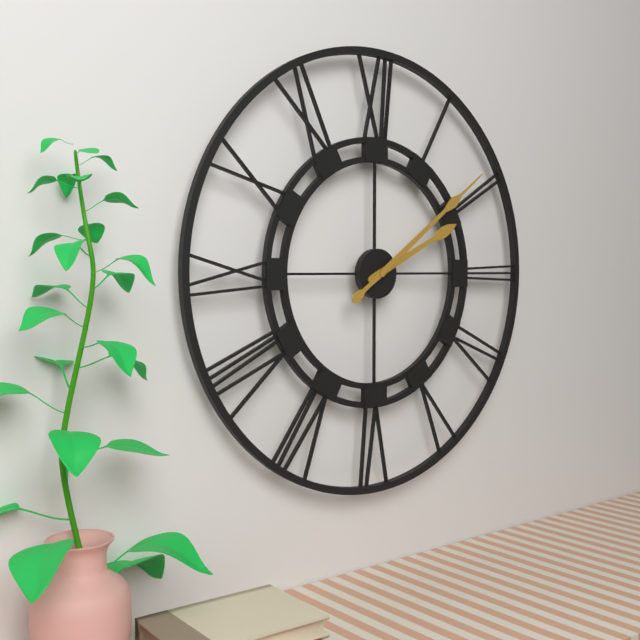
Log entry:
2 h 09 min
